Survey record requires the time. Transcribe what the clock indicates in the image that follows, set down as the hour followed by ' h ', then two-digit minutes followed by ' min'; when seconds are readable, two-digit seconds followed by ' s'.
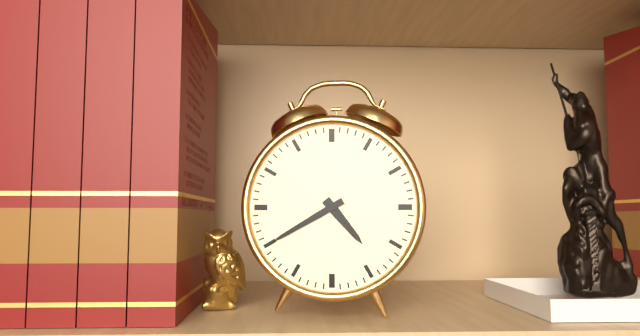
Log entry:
4 h 40 min
